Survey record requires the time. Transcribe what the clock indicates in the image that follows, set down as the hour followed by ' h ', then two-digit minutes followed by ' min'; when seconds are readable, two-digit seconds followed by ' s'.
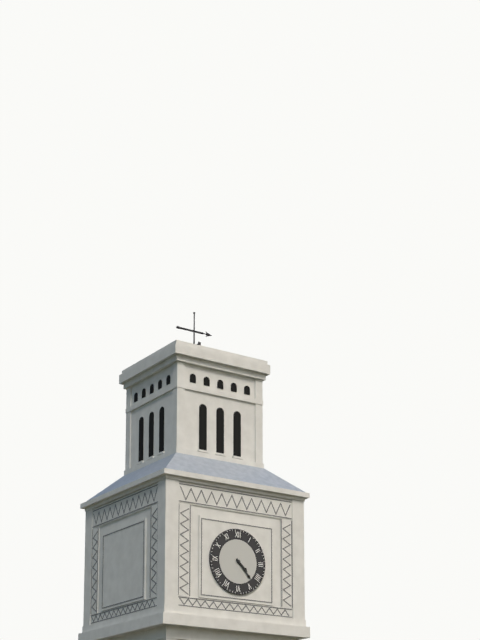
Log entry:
4 h 23 min
